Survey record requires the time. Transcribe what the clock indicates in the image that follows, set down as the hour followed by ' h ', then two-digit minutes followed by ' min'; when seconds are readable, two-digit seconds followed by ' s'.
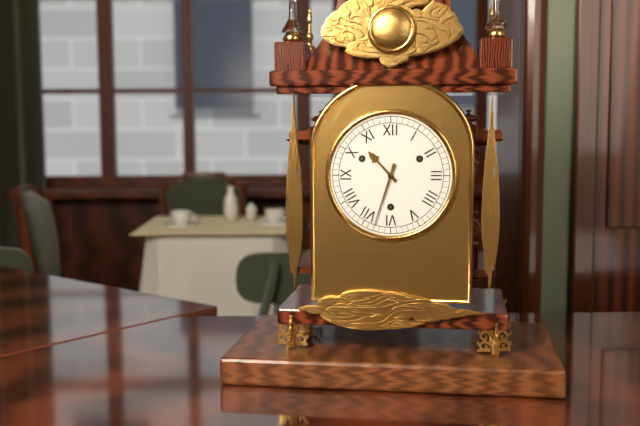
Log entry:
10 h 33 min
